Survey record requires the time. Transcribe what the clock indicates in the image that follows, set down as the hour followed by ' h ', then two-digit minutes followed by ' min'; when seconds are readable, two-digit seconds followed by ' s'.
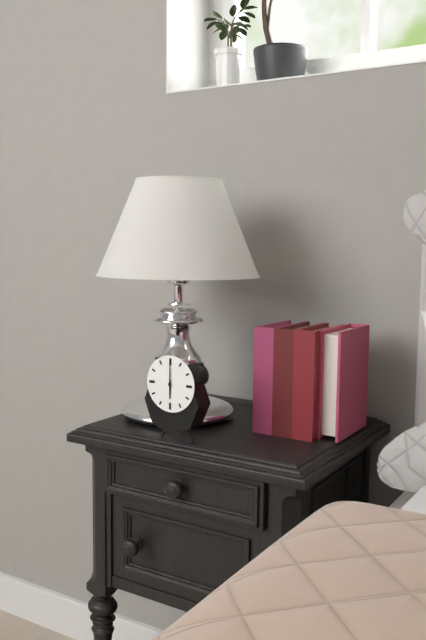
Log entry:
6 h 00 min
